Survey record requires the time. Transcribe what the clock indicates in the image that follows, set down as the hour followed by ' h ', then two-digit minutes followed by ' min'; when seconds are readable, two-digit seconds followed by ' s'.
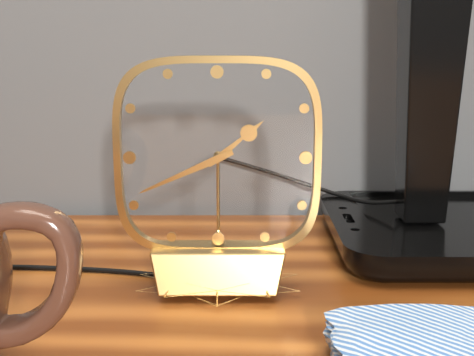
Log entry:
1 h 41 min
